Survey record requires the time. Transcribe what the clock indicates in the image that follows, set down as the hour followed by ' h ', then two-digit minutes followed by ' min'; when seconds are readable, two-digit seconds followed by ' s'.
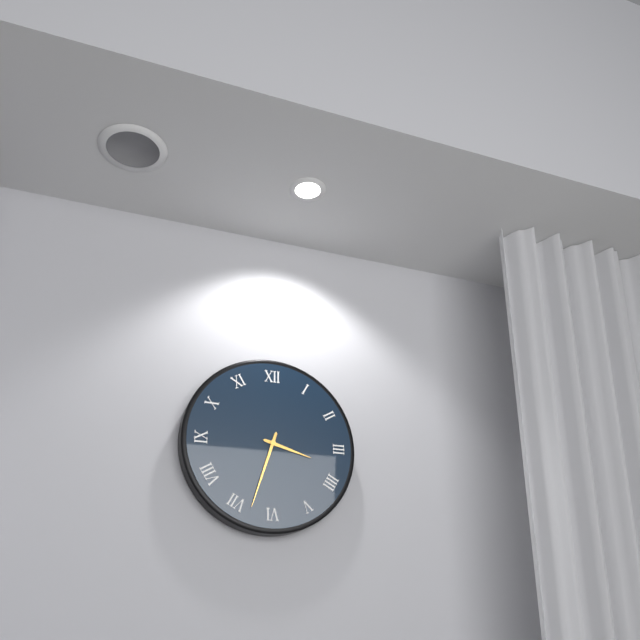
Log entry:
3 h 33 min
